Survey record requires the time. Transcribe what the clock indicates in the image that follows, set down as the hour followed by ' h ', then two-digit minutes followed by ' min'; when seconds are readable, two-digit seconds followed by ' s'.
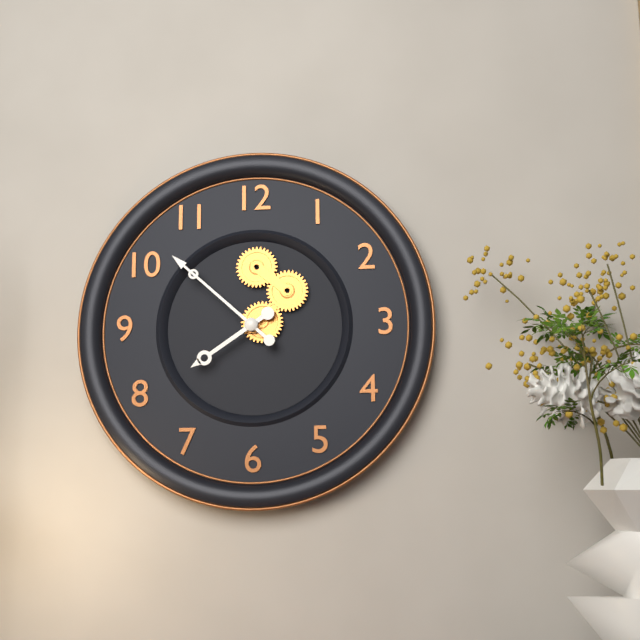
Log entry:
7 h 52 min
